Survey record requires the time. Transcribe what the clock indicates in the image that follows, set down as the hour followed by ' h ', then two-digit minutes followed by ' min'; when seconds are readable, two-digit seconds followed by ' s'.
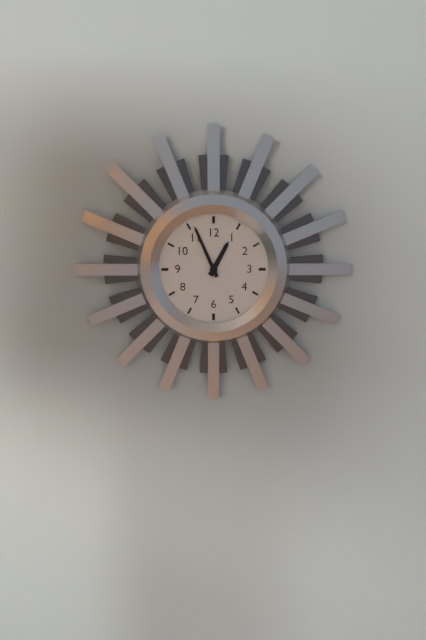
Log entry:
12 h 56 min
